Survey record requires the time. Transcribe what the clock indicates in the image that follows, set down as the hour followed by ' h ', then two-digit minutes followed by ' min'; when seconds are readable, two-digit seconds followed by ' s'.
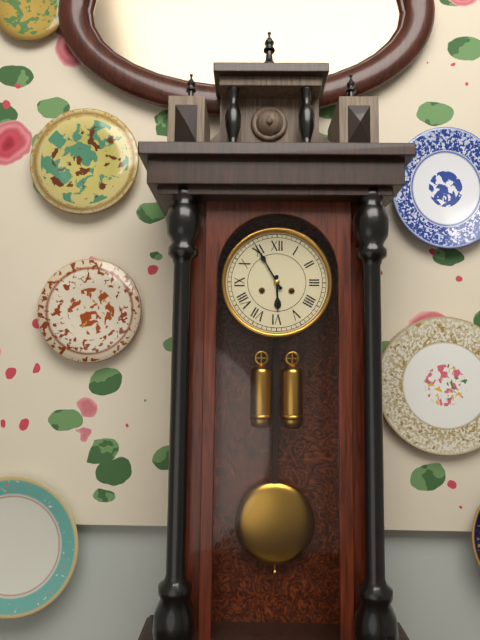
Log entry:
5 h 55 min
